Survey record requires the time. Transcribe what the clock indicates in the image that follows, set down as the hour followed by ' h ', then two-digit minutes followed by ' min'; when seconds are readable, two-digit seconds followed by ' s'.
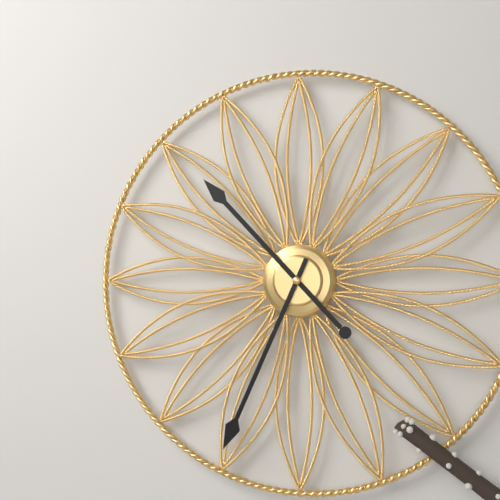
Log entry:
10 h 34 min
